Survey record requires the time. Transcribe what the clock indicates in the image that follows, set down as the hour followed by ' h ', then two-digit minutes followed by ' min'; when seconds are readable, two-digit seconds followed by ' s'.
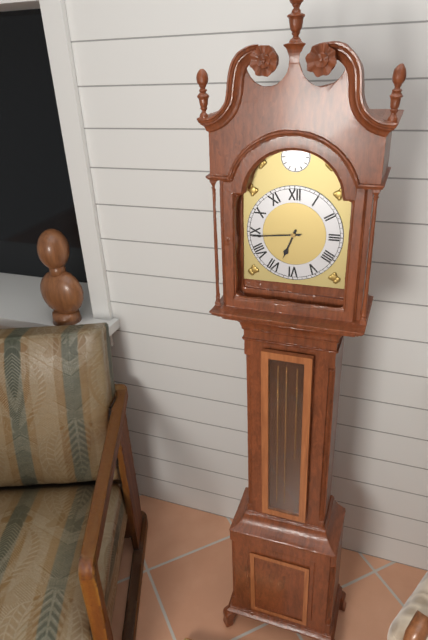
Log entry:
6 h 44 min
